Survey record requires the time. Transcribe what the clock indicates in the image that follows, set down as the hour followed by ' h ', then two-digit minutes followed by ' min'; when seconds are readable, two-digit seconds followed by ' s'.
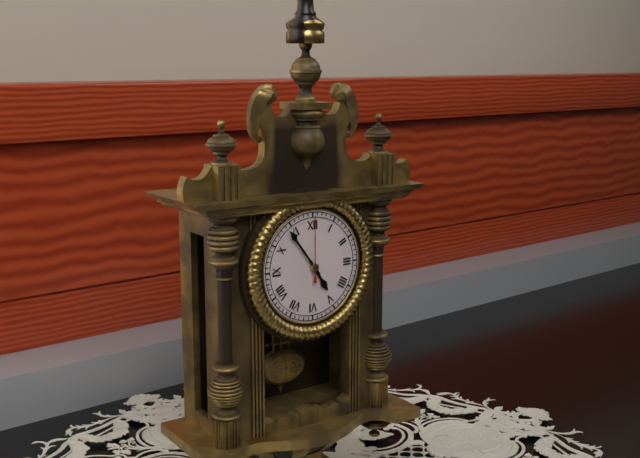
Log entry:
4 h 54 min 00 s
